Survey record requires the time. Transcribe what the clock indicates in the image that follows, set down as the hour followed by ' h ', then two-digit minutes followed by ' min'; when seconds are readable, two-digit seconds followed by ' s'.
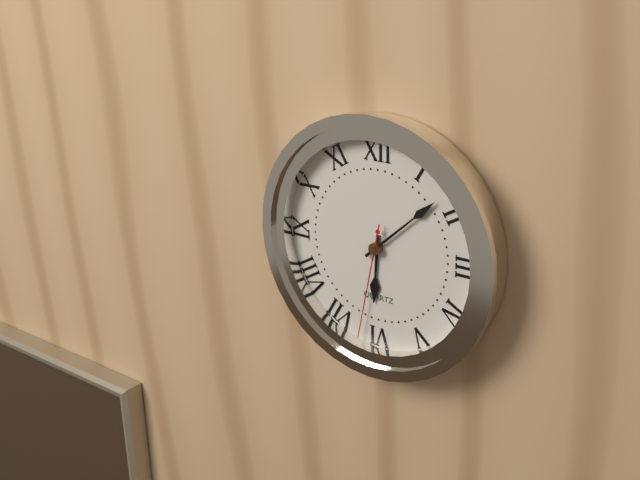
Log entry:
6 h 08 min 32 s
